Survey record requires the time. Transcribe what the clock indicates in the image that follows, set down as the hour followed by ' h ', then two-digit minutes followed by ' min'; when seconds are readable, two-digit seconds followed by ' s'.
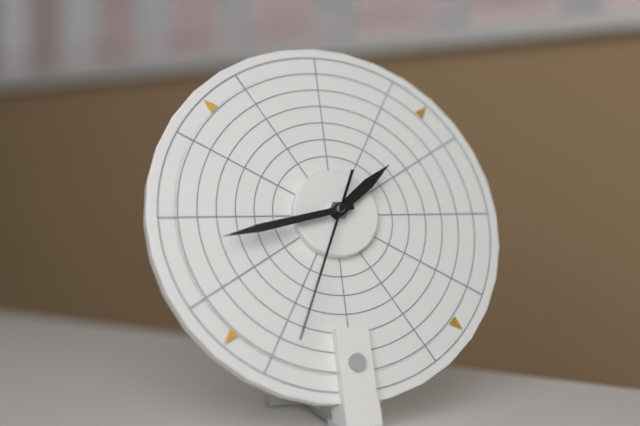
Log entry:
1 h 43 min 34 s
